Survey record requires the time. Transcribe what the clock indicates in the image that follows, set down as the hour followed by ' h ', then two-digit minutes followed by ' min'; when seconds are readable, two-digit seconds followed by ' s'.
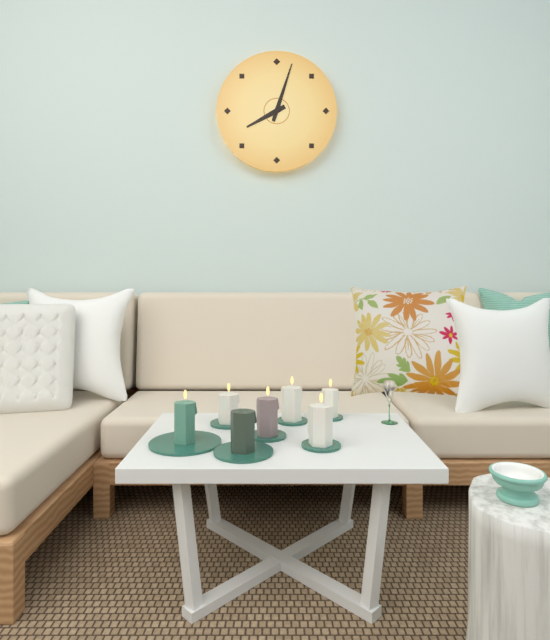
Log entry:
8 h 03 min
